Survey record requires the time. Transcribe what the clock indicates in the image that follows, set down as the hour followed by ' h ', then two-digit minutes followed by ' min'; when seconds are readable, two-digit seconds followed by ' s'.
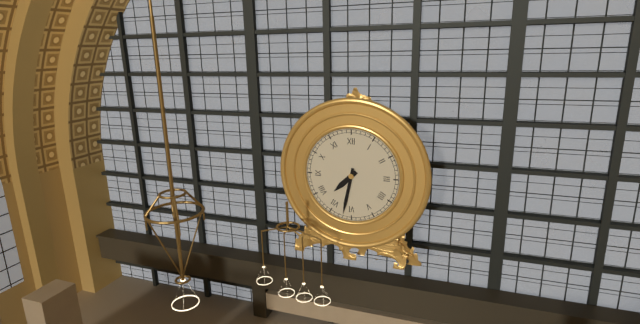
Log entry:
7 h 32 min
